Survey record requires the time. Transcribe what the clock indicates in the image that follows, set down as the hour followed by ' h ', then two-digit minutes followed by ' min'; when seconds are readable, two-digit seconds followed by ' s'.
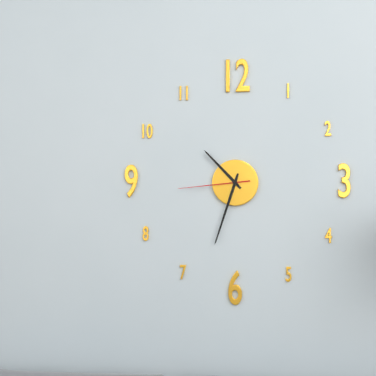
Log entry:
10 h 33 min 44 s
